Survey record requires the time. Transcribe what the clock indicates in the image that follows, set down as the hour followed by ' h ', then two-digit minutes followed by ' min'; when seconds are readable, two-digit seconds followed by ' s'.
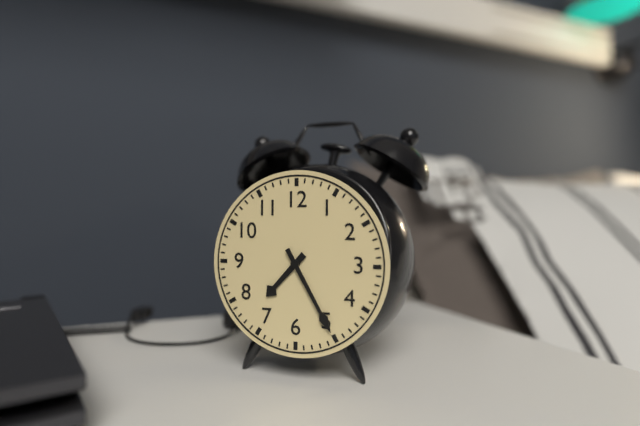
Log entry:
7 h 25 min
